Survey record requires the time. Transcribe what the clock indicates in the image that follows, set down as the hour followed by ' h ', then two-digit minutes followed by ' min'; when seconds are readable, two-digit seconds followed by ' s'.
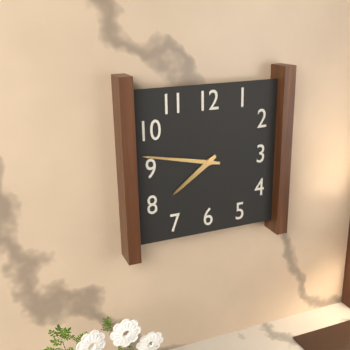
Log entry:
7 h 47 min
